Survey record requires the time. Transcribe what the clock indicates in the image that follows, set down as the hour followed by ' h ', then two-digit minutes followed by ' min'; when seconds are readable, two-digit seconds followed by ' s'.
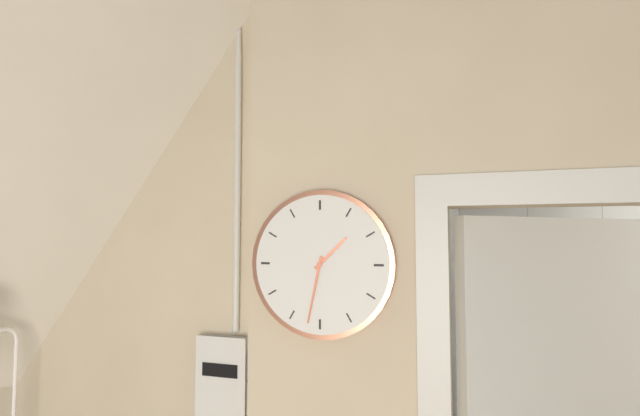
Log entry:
1 h 32 min
